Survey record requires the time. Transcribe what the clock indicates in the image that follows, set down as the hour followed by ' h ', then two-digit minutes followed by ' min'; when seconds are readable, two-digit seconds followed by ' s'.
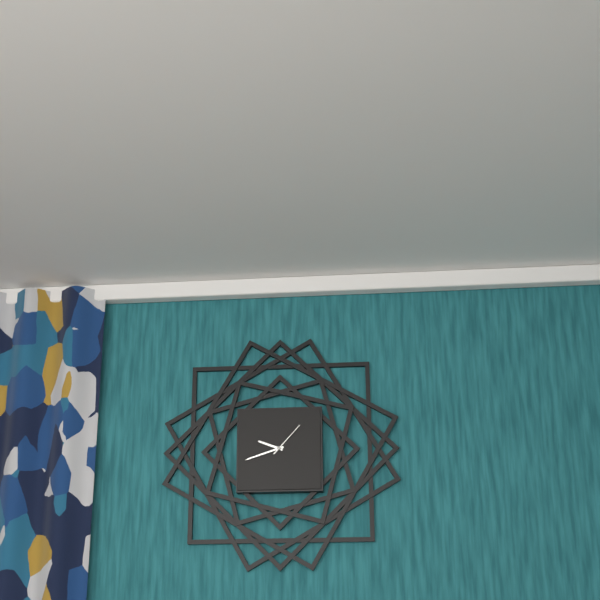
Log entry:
9 h 42 min
